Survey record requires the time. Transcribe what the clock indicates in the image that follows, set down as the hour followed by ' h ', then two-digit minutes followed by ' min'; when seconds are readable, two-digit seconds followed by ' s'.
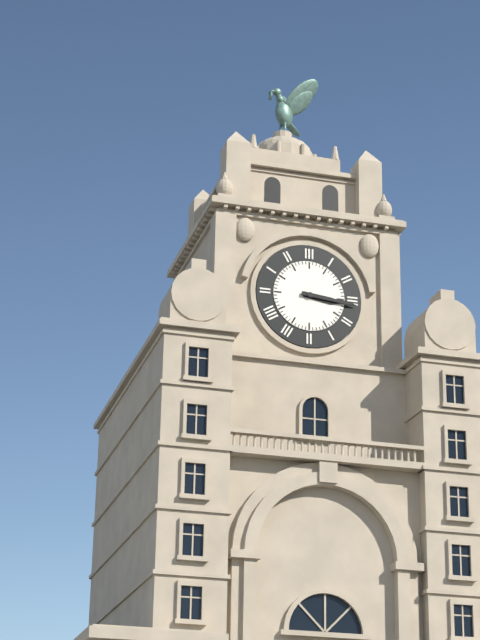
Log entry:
3 h 16 min
